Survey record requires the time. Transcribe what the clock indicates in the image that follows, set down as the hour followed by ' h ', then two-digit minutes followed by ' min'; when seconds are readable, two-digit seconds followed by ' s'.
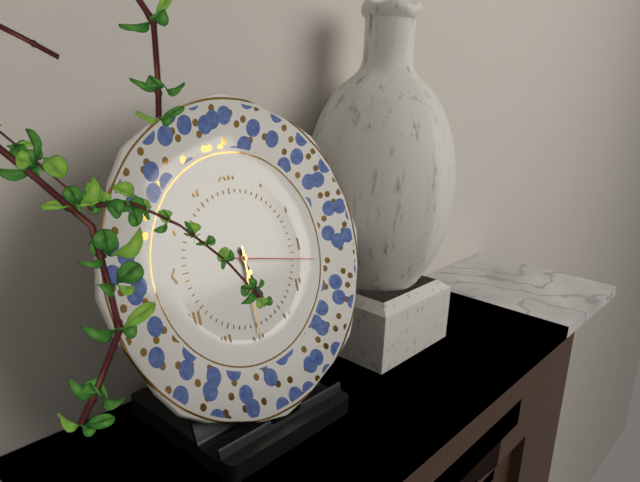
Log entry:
5 h 30 min 17 s
